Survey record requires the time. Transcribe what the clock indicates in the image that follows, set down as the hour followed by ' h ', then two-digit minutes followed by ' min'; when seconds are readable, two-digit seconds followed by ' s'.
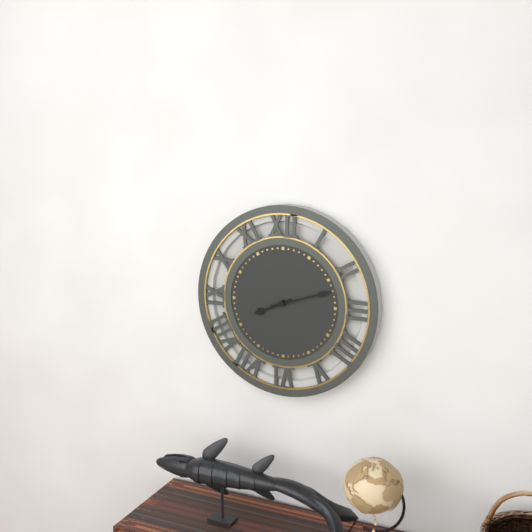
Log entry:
8 h 12 min
